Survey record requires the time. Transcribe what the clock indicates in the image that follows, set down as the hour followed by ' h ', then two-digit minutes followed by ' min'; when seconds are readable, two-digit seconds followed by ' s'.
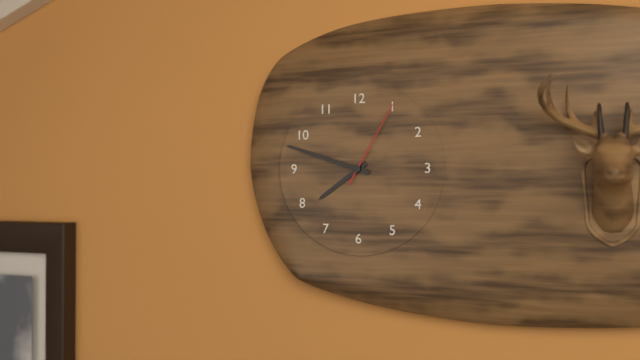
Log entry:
7 h 48 min 05 s
